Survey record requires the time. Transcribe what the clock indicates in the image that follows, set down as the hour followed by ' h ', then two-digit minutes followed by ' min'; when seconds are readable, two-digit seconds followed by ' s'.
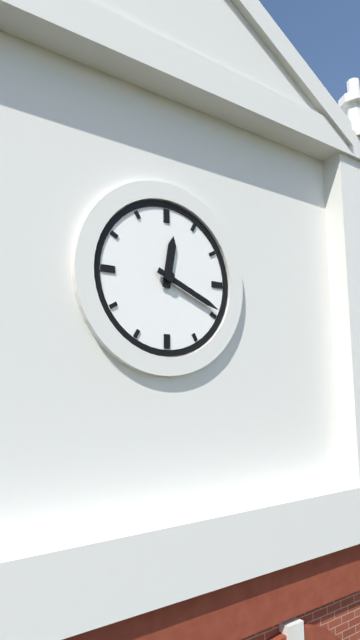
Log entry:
12 h 19 min
